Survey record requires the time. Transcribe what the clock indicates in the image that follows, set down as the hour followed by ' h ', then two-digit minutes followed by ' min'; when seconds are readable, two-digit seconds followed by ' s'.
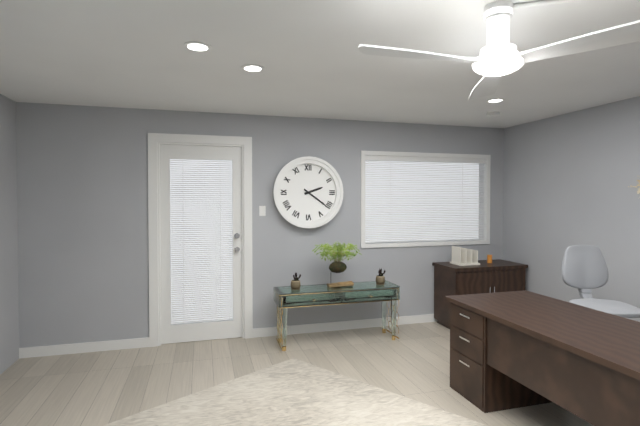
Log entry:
2 h 21 min
